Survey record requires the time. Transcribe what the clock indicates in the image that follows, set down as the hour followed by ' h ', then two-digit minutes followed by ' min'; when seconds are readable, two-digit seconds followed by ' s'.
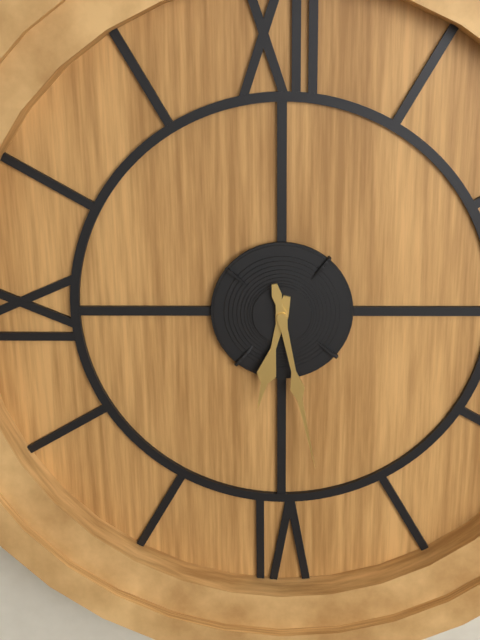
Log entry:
6 h 28 min
